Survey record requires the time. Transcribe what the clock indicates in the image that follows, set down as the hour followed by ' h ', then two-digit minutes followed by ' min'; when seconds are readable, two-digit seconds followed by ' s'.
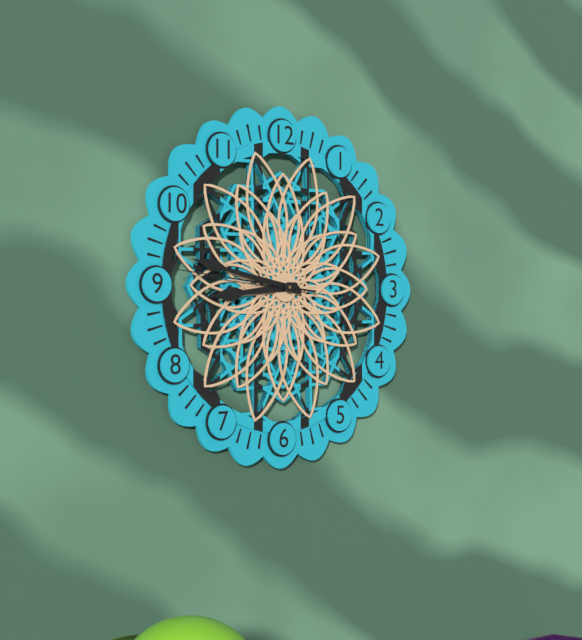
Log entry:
8 h 47 min 46 s
